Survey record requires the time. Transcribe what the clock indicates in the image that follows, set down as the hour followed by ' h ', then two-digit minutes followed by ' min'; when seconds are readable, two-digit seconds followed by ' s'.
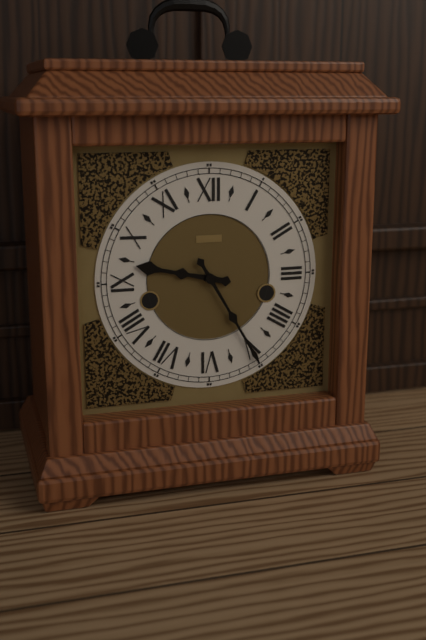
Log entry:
9 h 25 min
